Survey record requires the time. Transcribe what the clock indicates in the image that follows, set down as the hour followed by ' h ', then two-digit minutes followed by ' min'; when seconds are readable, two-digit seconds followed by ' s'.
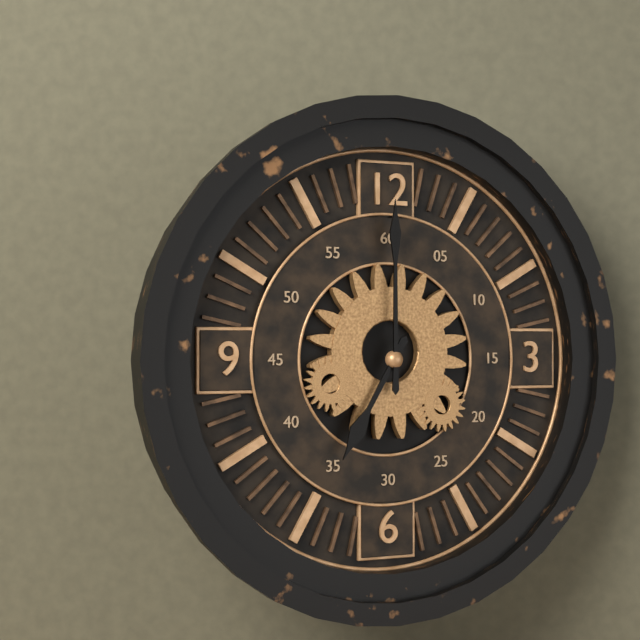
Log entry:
7 h 00 min
